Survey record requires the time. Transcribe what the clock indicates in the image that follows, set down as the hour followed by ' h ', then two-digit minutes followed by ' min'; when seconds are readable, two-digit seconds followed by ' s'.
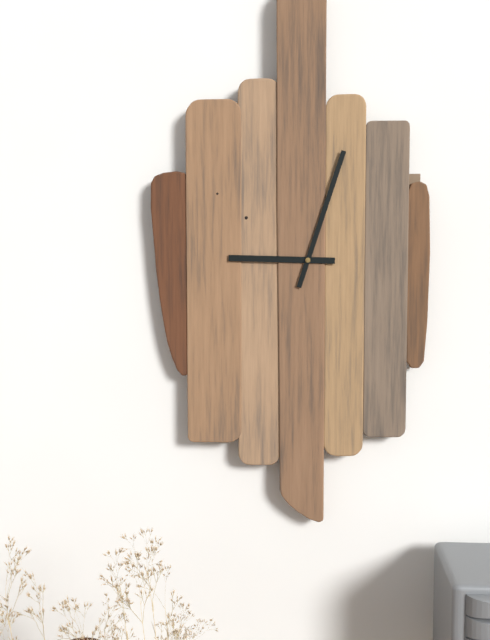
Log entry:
9 h 03 min
